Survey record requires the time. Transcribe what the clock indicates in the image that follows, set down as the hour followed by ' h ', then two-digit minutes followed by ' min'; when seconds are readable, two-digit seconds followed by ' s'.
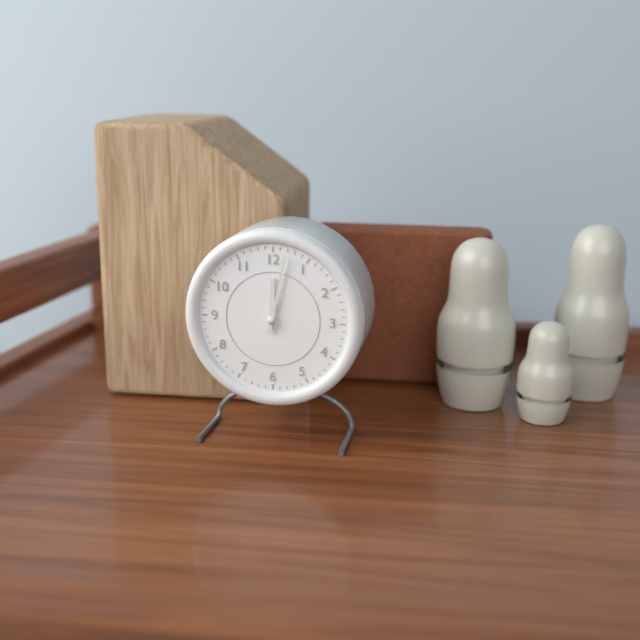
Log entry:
12 h 02 min
